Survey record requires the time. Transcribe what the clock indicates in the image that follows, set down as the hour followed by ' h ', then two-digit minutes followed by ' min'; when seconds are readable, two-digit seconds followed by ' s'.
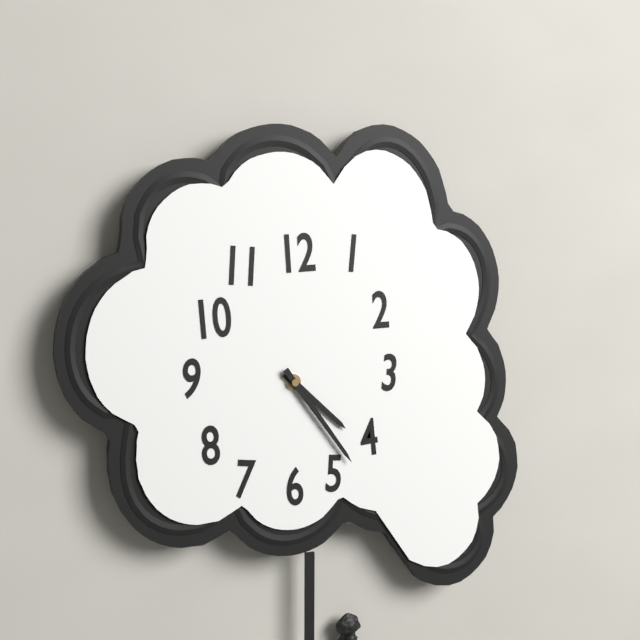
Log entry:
4 h 24 min
